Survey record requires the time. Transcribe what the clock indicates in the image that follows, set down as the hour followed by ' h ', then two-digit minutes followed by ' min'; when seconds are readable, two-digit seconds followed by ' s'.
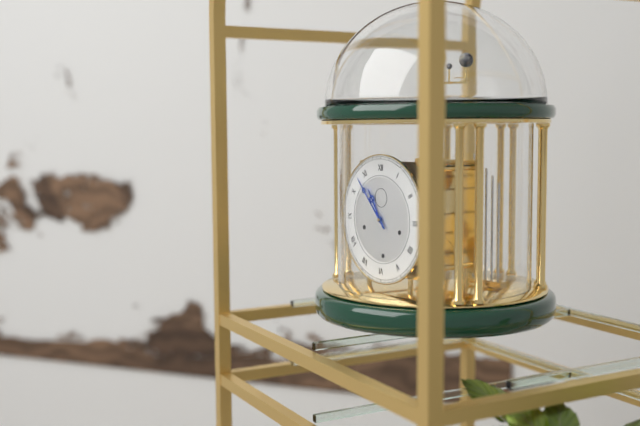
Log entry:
10 h 53 min
